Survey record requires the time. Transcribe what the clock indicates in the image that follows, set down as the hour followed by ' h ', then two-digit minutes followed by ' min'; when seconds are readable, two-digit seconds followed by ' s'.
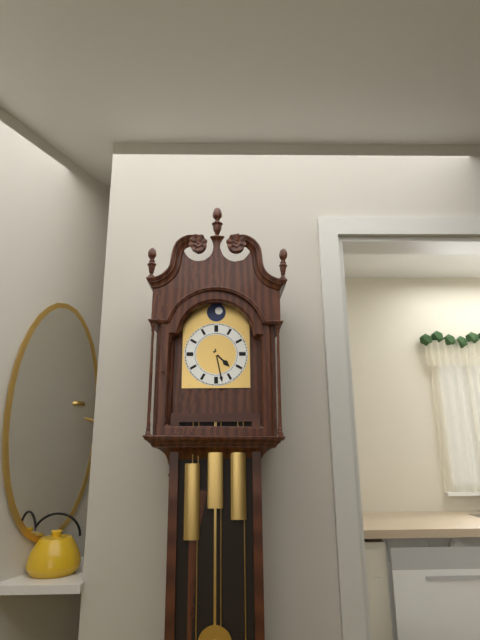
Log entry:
4 h 28 min
